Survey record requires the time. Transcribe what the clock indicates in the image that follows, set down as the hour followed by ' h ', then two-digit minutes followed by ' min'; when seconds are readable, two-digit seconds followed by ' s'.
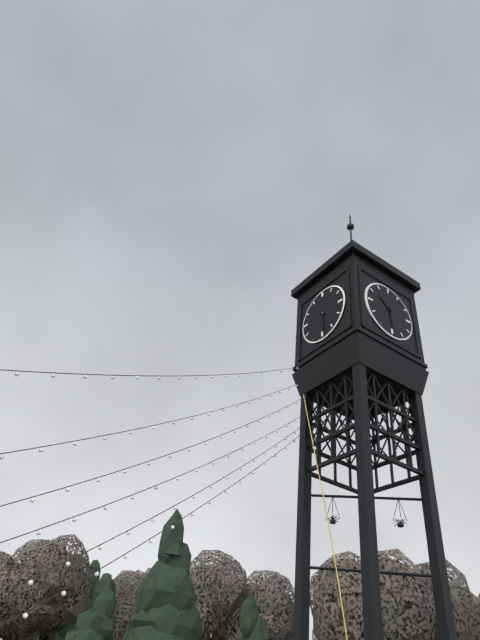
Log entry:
10 h 29 min
